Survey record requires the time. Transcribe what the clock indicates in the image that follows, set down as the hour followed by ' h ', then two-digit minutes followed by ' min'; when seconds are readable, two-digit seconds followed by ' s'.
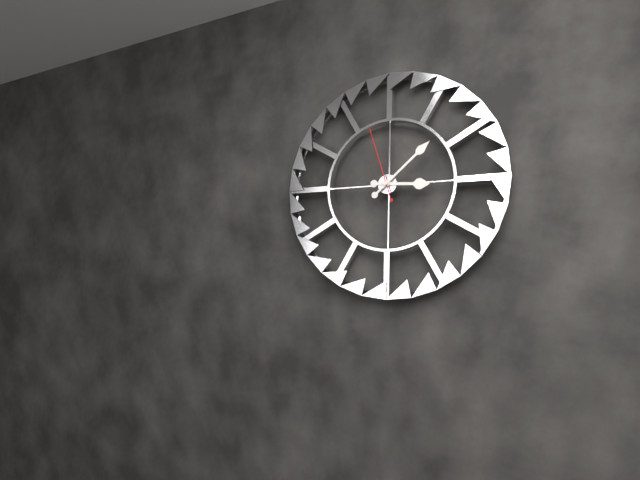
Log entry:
3 h 08 min 57 s
